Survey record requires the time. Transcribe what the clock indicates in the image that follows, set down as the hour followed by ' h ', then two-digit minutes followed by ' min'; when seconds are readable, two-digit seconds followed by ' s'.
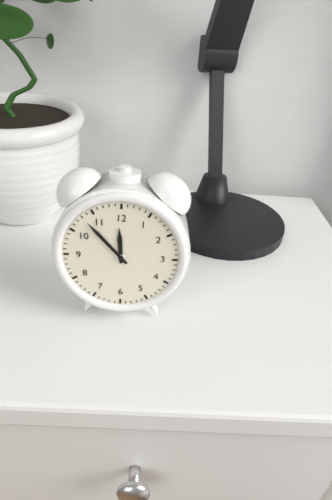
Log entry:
11 h 53 min
